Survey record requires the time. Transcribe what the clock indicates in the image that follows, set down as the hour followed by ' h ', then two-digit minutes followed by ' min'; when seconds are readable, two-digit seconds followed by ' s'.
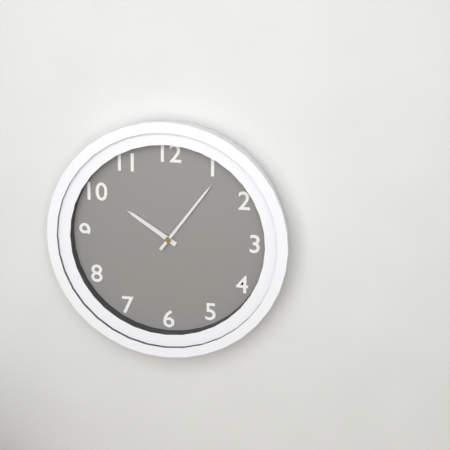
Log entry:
10 h 06 min
